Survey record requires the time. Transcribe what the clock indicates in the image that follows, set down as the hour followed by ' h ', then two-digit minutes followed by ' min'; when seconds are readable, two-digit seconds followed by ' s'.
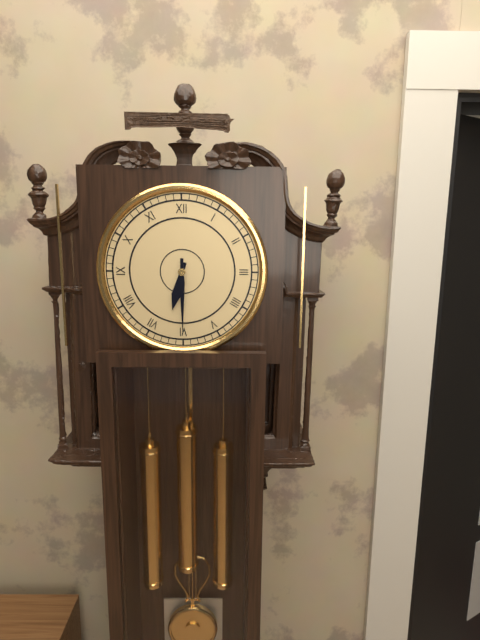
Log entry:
6 h 30 min
